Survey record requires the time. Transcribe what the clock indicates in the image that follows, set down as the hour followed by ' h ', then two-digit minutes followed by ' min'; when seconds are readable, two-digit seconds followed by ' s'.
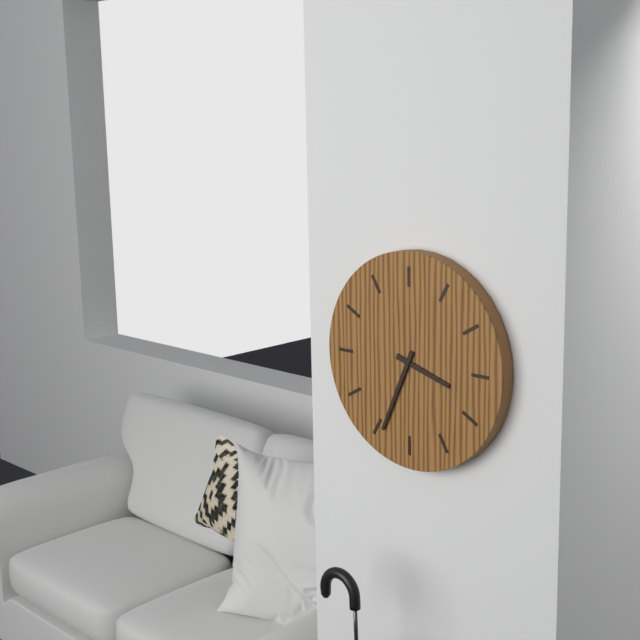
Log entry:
3 h 34 min
